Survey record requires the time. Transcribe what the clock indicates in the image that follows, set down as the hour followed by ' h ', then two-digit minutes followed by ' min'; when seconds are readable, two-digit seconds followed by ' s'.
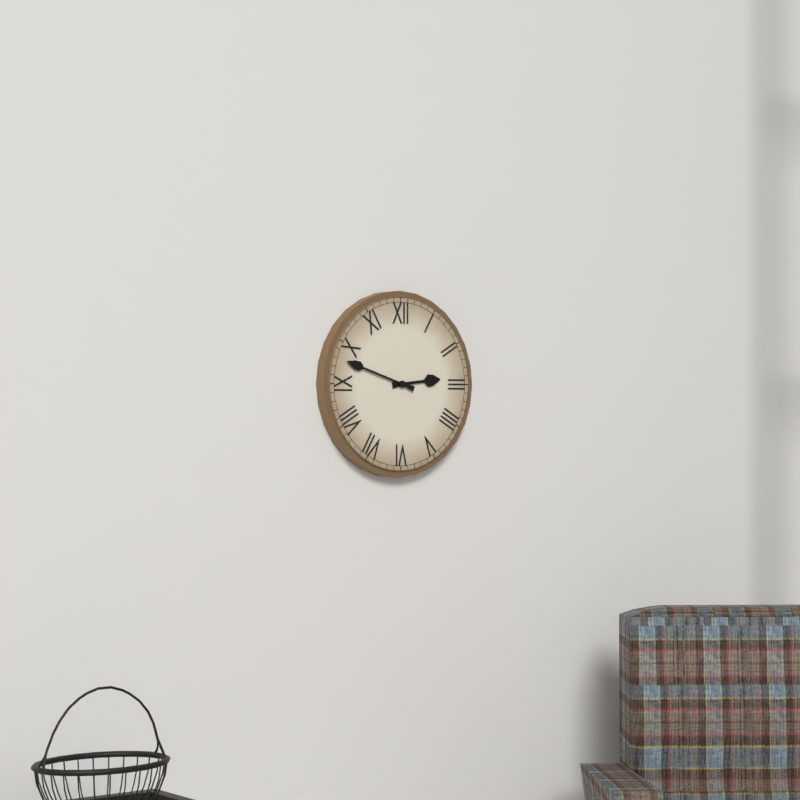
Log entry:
2 h 48 min
